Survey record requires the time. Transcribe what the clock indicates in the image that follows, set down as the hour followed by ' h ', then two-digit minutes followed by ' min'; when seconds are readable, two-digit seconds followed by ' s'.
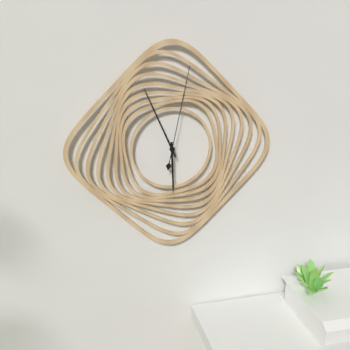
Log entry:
5 h 56 min 02 s
